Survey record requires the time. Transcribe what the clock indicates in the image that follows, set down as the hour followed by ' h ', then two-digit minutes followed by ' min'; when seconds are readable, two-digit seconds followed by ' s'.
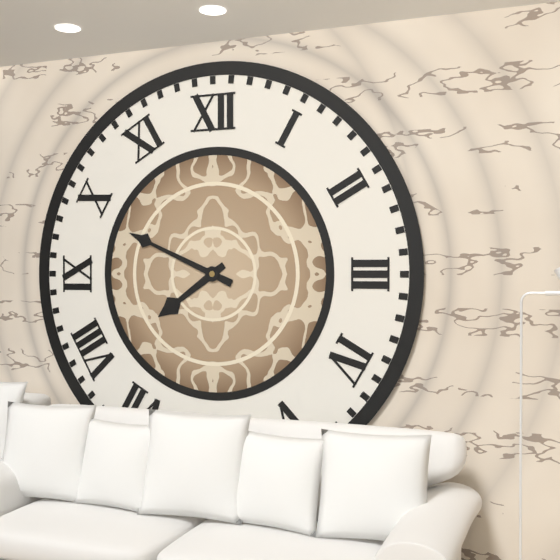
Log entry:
7 h 49 min
